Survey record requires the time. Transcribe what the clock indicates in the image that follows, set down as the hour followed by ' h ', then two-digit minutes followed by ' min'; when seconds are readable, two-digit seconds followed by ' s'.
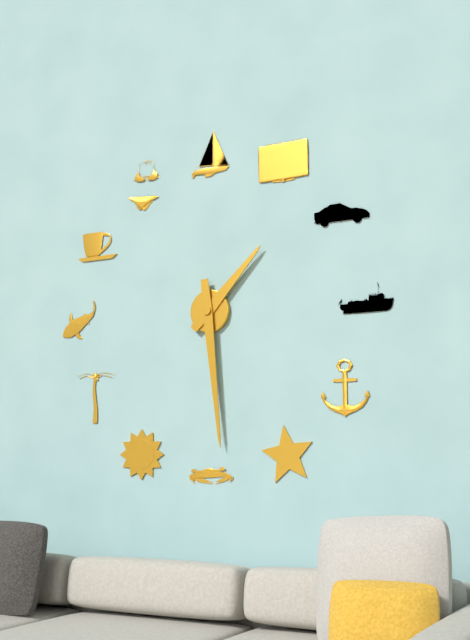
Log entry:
1 h 29 min
